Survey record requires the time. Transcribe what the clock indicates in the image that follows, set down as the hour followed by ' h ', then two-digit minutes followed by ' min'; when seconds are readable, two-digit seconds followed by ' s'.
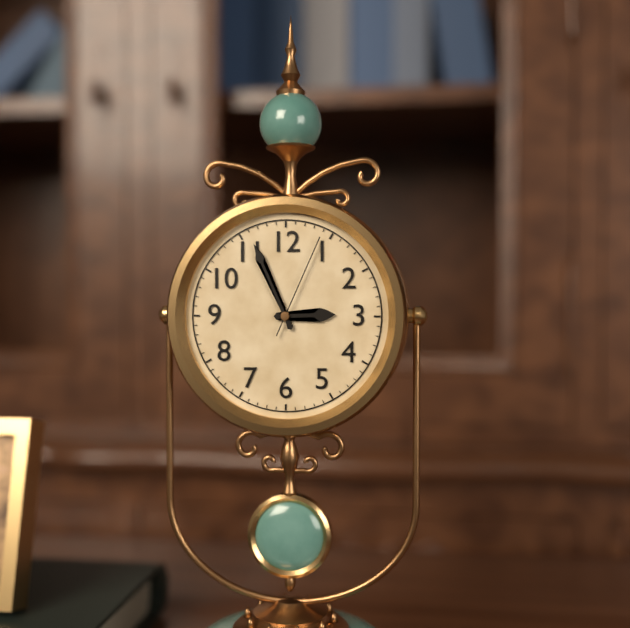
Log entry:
2 h 56 min 04 s
